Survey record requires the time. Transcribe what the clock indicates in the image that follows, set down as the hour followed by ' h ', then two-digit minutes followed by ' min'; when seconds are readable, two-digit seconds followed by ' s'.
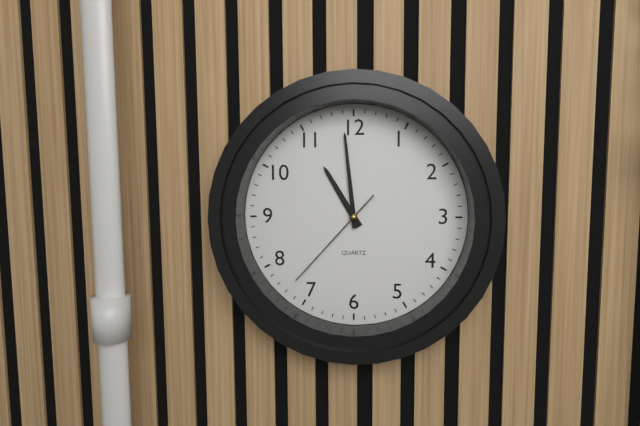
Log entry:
10 h 59 min 37 s
